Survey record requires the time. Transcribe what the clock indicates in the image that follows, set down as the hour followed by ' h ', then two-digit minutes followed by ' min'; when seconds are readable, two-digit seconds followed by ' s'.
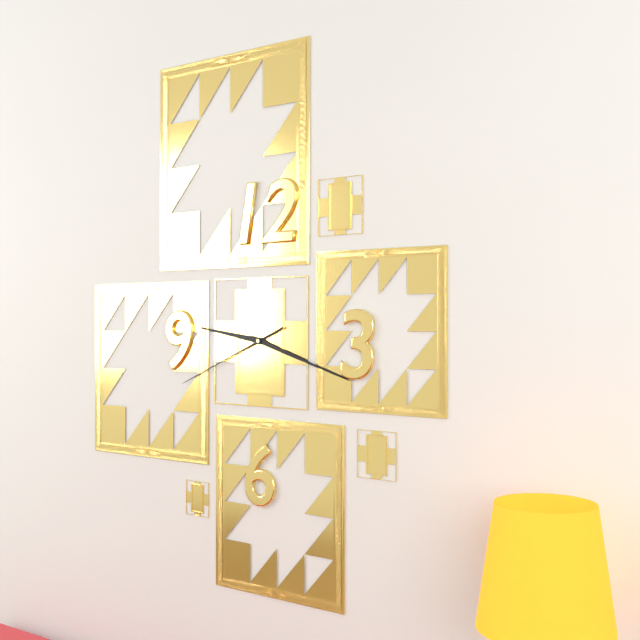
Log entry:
9 h 18 min 41 s
